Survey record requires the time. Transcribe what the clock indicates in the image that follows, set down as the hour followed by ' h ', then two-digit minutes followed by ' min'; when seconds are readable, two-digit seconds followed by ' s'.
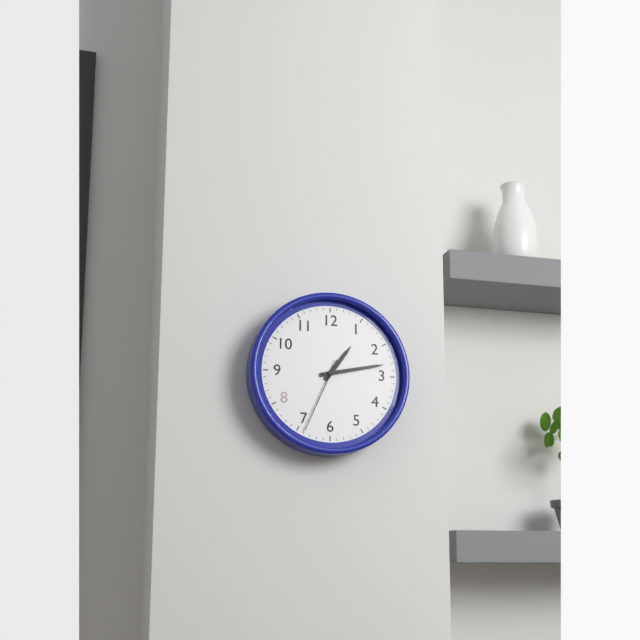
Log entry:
1 h 13 min 34 s
